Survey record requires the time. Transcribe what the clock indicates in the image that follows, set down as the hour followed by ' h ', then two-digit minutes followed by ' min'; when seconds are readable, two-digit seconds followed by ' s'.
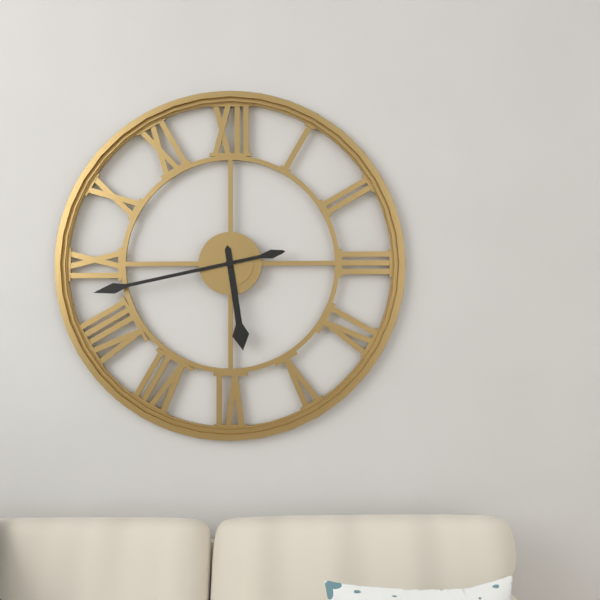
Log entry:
5 h 43 min
